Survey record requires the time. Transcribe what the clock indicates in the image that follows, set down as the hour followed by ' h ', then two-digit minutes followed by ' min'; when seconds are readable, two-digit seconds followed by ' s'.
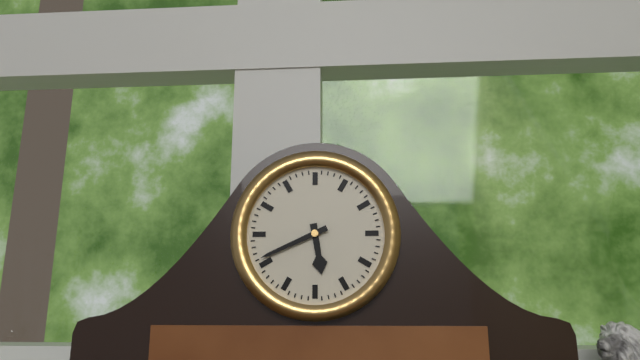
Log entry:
5 h 41 min
